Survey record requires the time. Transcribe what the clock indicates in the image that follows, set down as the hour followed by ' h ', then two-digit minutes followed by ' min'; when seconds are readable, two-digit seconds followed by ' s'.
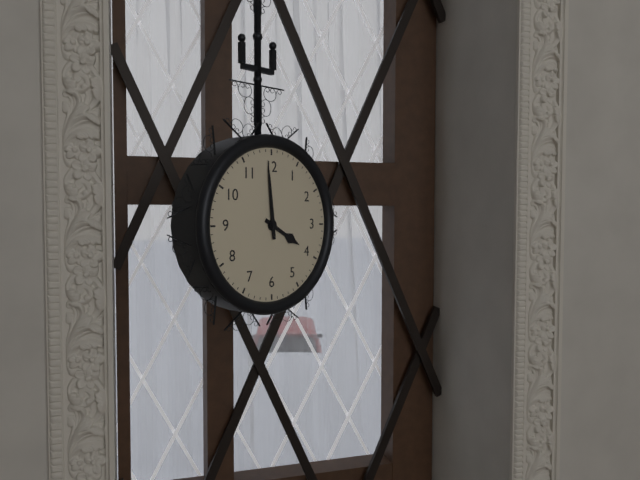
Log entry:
3 h 59 min
